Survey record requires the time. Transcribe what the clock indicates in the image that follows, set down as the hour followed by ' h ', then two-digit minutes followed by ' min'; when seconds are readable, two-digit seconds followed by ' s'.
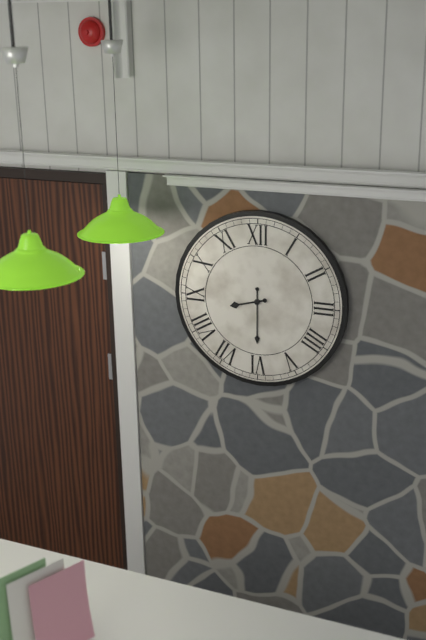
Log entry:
8 h 30 min
